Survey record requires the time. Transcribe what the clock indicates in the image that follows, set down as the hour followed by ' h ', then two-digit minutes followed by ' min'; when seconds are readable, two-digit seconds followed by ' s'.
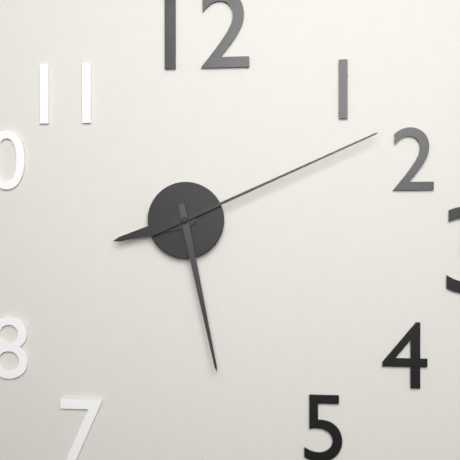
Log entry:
8 h 28 min 11 s
